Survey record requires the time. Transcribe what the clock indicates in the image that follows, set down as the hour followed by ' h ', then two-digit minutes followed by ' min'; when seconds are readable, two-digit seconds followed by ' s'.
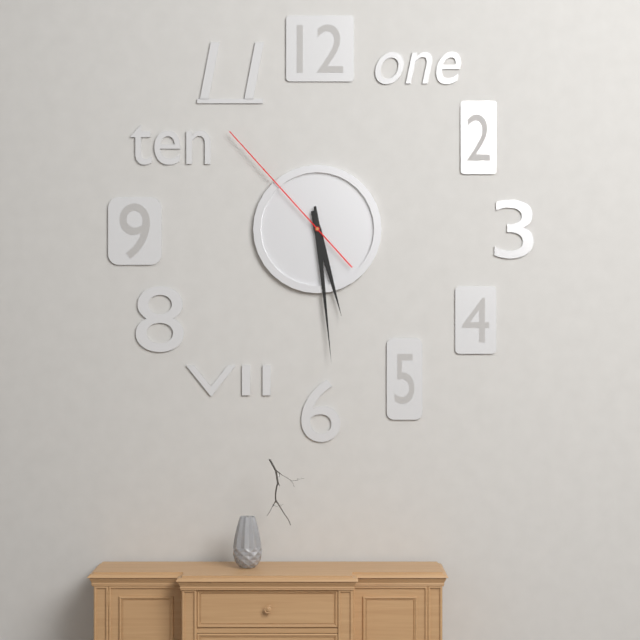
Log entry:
5 h 29 min 53 s
